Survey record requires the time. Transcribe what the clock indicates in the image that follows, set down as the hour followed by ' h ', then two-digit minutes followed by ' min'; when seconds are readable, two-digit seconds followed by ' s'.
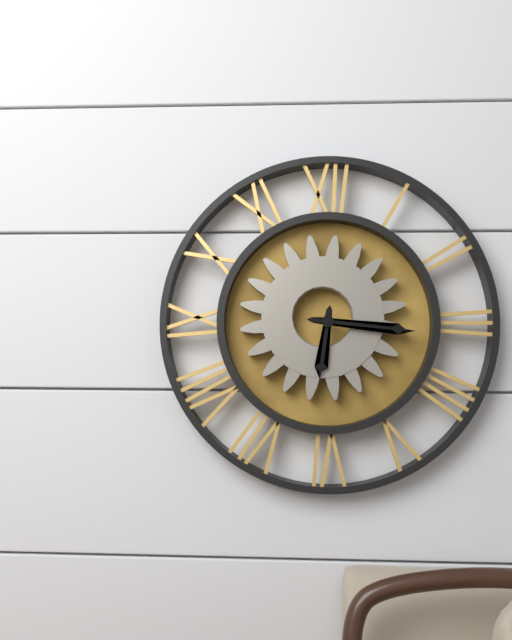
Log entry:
6 h 16 min
